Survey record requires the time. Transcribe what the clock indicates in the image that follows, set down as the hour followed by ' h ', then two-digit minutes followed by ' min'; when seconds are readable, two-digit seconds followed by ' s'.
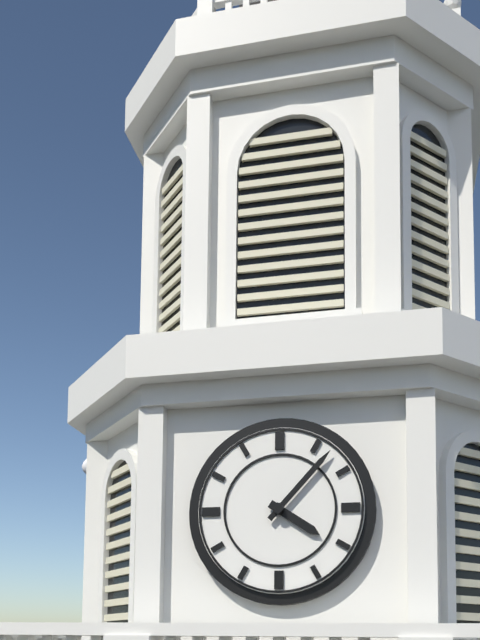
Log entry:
4 h 07 min
